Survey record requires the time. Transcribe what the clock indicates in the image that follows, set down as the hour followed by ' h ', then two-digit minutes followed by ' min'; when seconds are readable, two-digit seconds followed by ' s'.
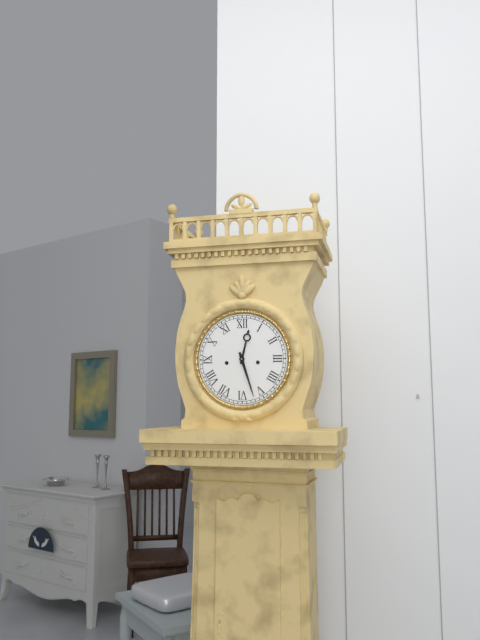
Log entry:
12 h 27 min
